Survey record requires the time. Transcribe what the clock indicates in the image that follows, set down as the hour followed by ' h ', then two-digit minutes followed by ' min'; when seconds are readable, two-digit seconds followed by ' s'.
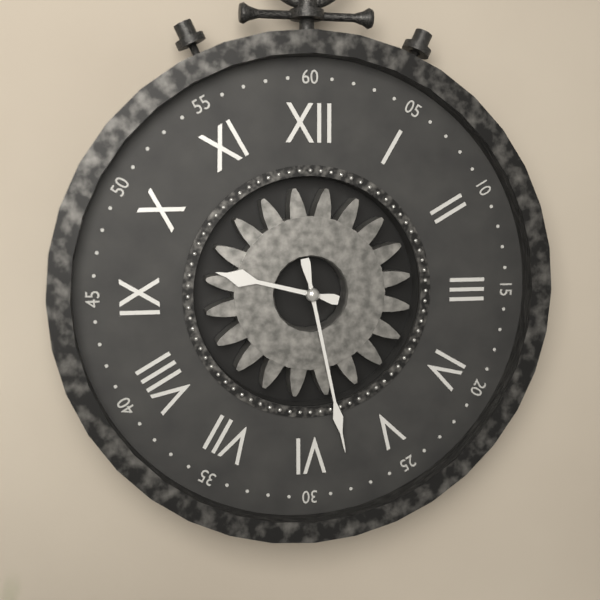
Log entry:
9 h 28 min
